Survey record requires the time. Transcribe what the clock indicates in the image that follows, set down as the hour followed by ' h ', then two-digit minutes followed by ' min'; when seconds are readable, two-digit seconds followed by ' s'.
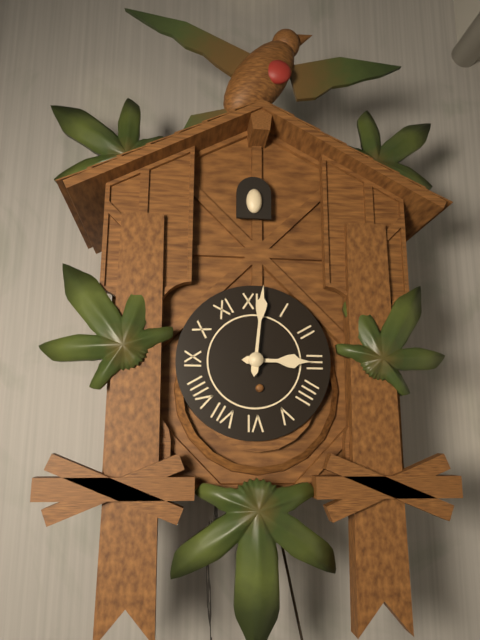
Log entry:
3 h 01 min
